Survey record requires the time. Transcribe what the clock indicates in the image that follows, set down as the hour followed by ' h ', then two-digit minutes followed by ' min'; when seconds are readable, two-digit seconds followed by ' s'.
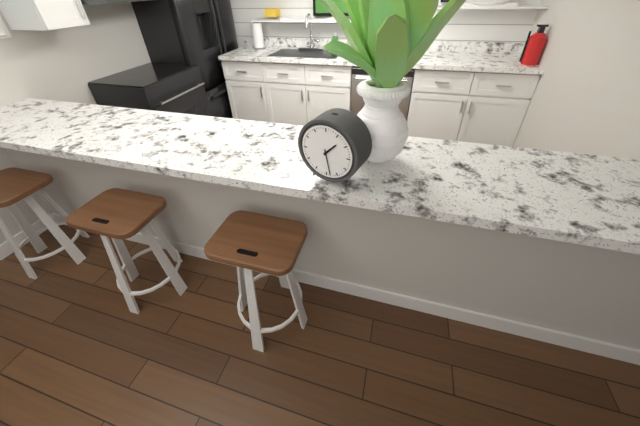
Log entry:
1 h 28 min
